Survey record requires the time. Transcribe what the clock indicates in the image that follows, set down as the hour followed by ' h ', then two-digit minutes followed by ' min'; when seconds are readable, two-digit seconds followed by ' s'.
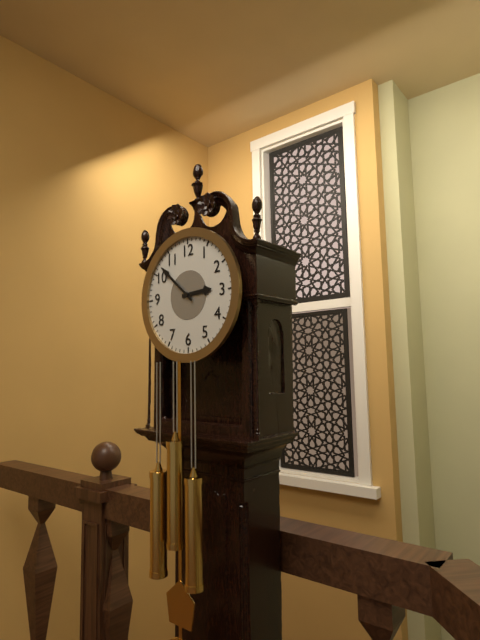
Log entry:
2 h 52 min
